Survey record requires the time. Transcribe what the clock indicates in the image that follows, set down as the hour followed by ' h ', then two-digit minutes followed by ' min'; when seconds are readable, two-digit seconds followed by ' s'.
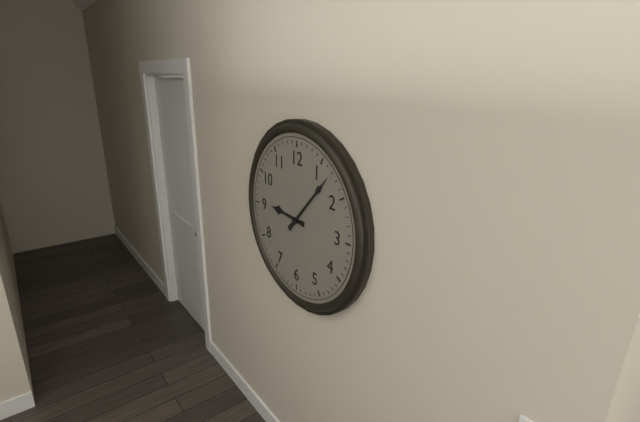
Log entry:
9 h 07 min
